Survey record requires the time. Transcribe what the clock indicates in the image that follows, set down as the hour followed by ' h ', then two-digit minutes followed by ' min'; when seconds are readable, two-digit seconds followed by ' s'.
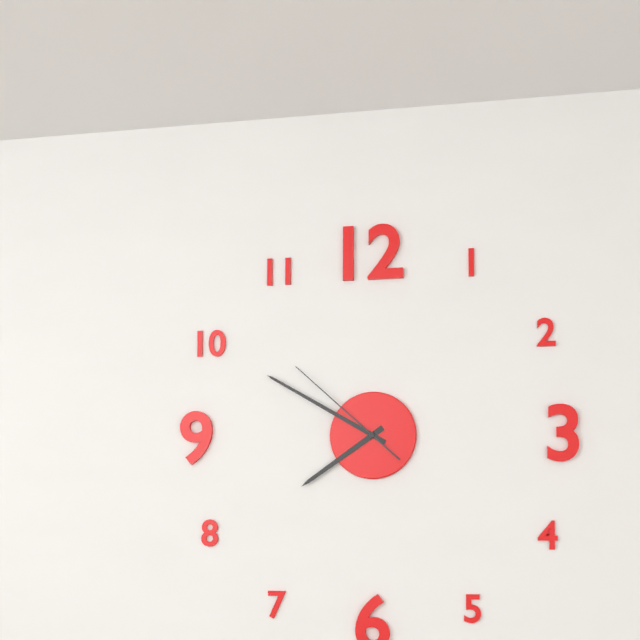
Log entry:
7 h 50 min 52 s
